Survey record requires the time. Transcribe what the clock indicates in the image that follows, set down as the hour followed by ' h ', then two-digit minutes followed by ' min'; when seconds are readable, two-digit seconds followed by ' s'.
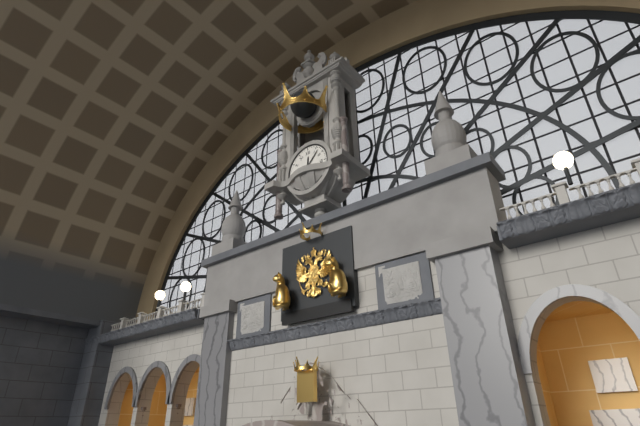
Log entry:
12 h 07 min
